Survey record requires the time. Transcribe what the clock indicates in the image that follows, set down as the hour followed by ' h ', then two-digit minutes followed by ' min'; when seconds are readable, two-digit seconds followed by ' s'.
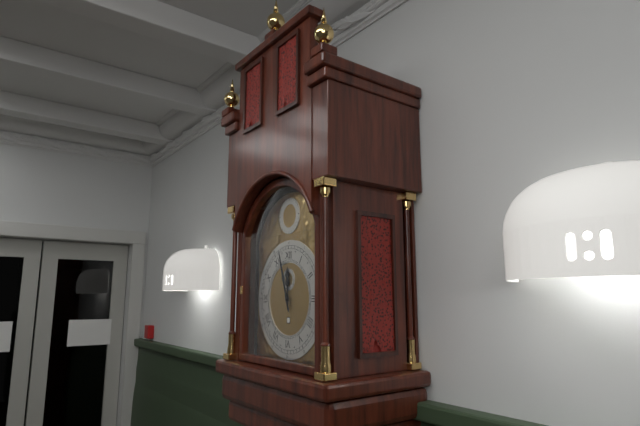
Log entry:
11 h 57 min
